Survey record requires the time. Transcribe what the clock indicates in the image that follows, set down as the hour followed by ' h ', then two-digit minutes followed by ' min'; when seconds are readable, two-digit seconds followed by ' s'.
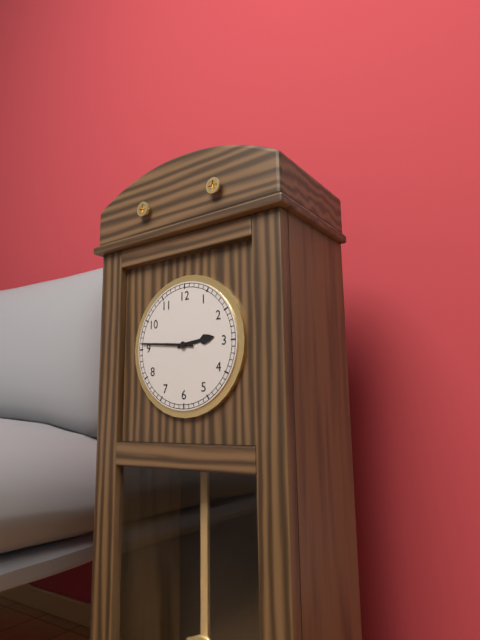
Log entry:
2 h 46 min
